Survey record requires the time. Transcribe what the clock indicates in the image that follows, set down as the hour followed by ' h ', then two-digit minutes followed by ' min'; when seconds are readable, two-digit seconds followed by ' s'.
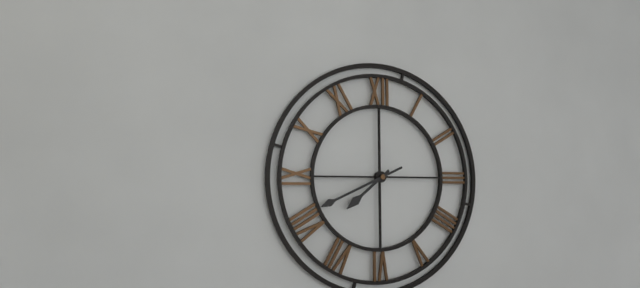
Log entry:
7 h 41 min
